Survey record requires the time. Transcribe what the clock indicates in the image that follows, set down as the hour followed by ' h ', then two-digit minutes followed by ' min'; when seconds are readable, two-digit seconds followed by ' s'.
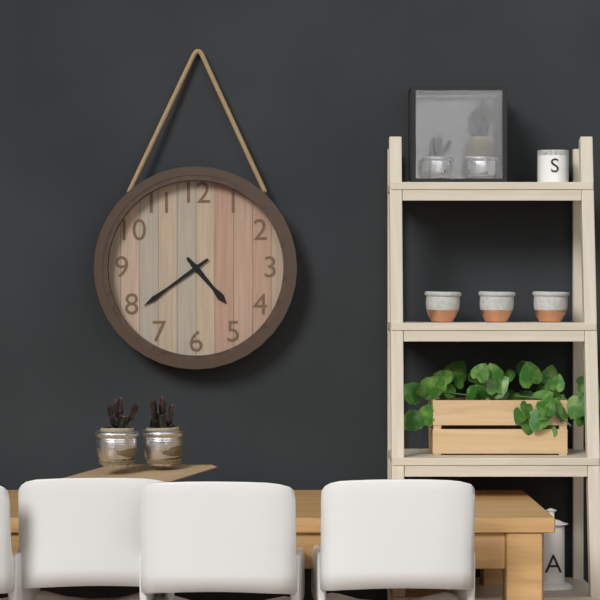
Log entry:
4 h 39 min
